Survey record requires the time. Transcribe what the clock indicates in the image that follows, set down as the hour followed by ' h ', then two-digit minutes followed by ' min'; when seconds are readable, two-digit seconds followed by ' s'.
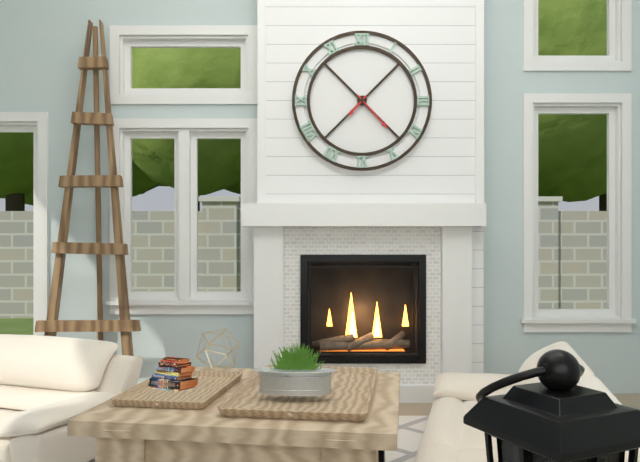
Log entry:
7 h 23 min
